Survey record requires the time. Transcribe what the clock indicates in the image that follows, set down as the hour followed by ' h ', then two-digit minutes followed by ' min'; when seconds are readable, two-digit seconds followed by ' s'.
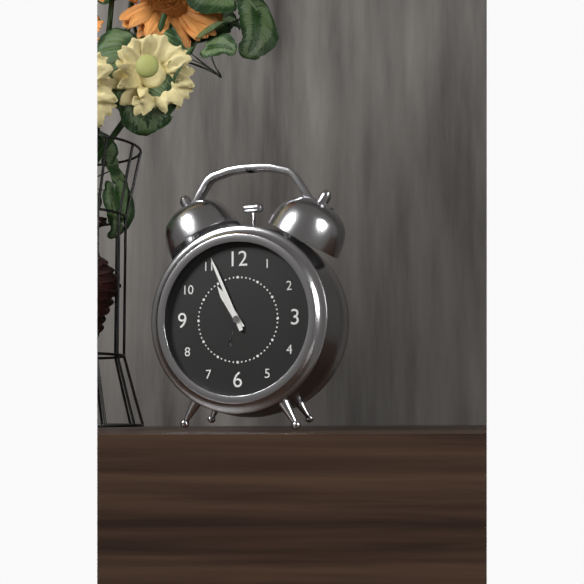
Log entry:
10 h 56 min
